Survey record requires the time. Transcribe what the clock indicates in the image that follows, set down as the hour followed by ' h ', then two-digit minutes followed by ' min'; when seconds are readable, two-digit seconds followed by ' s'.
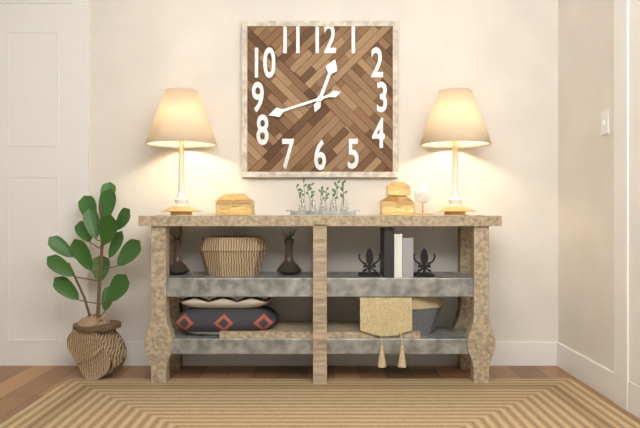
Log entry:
12 h 42 min
